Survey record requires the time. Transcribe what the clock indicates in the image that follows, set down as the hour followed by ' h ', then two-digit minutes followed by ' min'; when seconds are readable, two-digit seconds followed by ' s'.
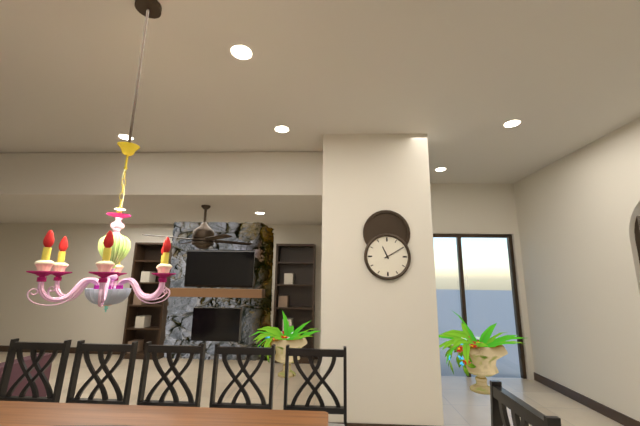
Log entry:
11 h 10 min
